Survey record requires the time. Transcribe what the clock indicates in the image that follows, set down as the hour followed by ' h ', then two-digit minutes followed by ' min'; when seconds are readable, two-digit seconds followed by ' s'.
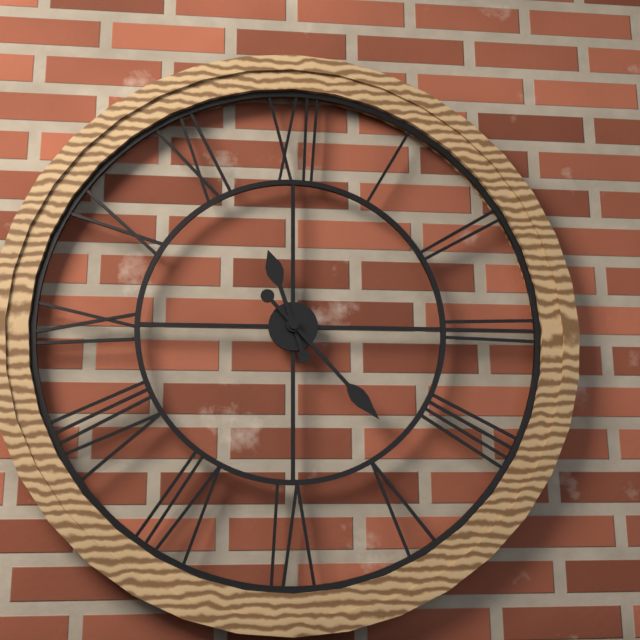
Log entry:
11 h 23 min
